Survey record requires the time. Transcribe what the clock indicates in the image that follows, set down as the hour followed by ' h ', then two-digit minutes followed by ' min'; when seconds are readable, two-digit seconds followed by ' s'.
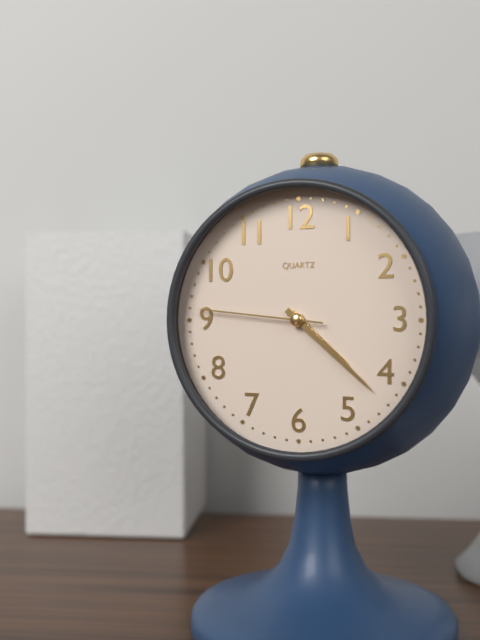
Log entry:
4 h 22 min 46 s
